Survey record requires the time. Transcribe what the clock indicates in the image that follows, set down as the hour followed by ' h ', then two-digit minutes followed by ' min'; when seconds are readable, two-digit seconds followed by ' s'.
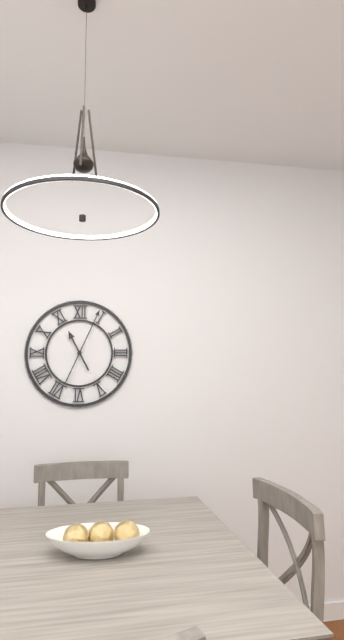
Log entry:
11 h 04 min
